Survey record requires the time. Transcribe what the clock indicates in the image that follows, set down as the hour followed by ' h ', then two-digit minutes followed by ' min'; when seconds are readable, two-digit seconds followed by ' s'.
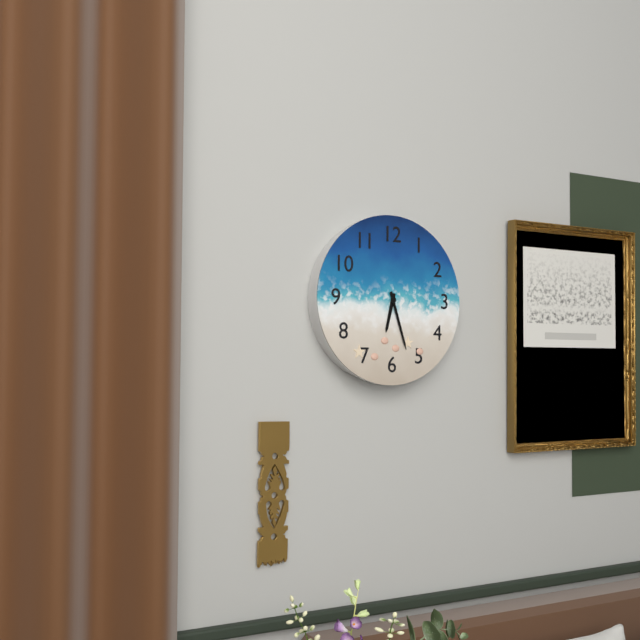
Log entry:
6 h 27 min
